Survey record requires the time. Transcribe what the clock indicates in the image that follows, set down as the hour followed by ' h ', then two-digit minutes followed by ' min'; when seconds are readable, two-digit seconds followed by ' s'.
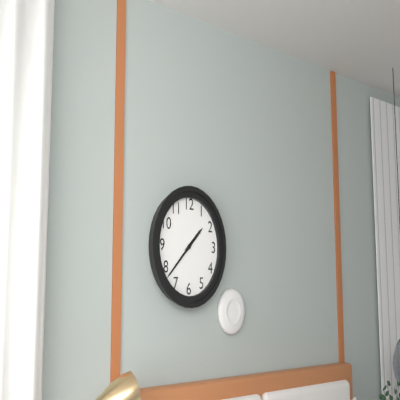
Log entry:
1 h 38 min
